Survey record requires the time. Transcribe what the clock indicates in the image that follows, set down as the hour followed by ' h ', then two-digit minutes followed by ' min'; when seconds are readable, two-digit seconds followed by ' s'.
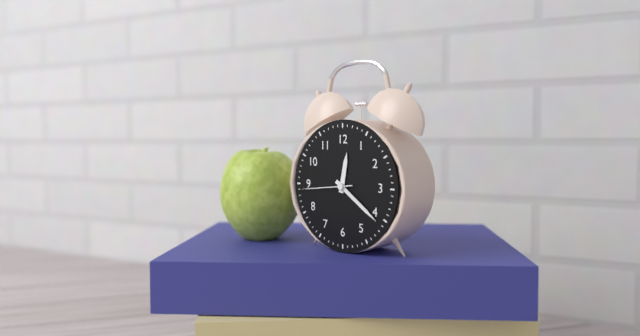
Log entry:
12 h 21 min 44 s
